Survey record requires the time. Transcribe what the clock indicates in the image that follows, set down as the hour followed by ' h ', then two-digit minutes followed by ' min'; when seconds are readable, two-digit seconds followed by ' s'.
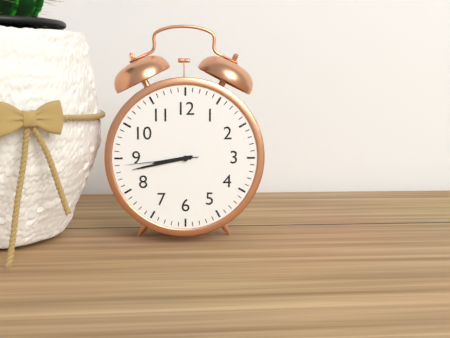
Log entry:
8 h 43 min 44 s
